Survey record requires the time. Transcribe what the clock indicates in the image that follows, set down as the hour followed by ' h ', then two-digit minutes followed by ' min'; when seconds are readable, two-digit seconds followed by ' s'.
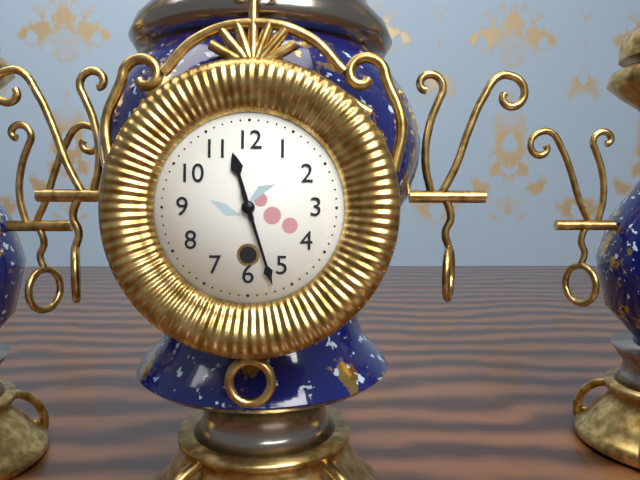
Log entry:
11 h 27 min
